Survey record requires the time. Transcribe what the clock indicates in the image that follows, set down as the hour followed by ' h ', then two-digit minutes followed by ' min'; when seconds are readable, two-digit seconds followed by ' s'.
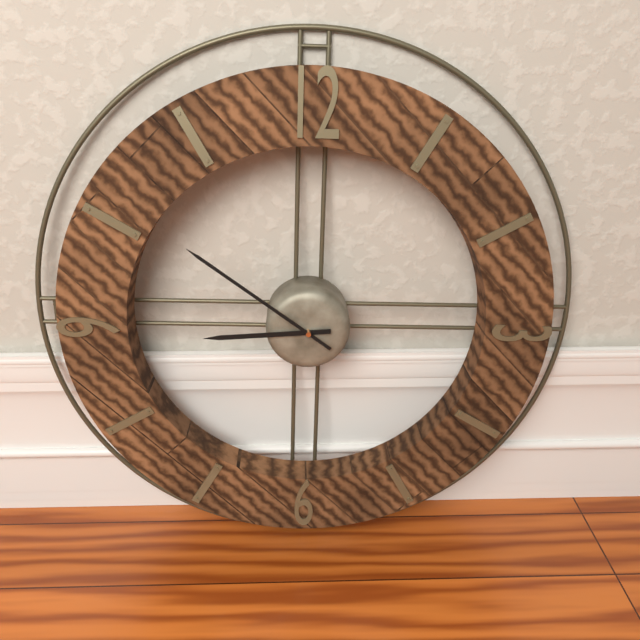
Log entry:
8 h 51 min
